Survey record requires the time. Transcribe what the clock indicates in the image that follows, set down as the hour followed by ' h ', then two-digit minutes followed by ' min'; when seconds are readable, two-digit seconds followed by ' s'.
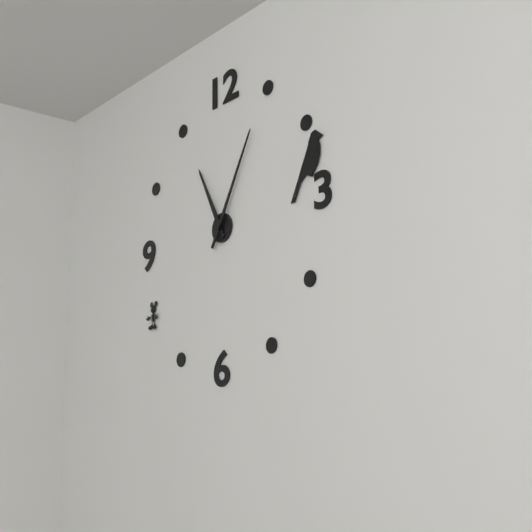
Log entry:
11 h 05 min
